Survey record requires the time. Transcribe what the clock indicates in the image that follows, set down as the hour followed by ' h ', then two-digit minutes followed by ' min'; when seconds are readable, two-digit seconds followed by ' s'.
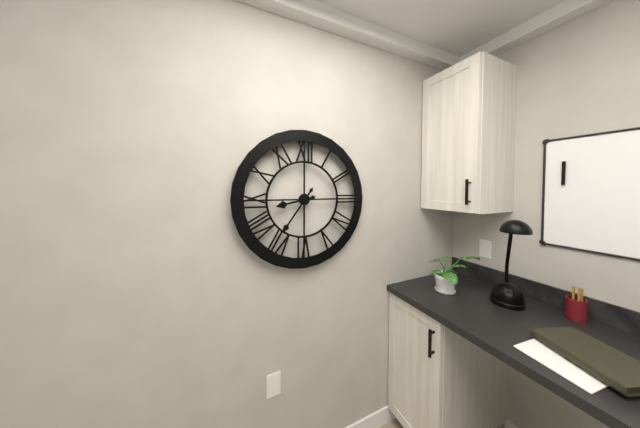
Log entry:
8 h 36 min
